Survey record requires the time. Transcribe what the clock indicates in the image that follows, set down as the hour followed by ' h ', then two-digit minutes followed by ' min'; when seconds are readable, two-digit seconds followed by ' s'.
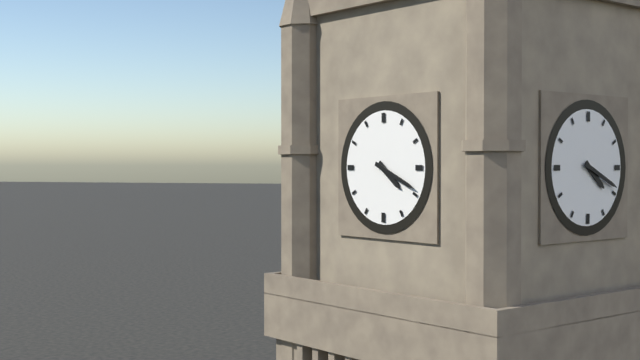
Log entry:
4 h 19 min
